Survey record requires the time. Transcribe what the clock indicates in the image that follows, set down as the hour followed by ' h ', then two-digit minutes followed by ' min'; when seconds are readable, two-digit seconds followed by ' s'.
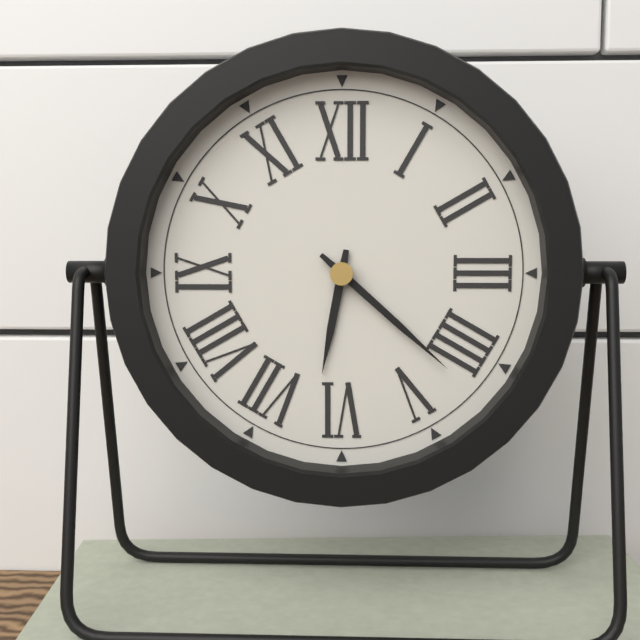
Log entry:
6 h 22 min
